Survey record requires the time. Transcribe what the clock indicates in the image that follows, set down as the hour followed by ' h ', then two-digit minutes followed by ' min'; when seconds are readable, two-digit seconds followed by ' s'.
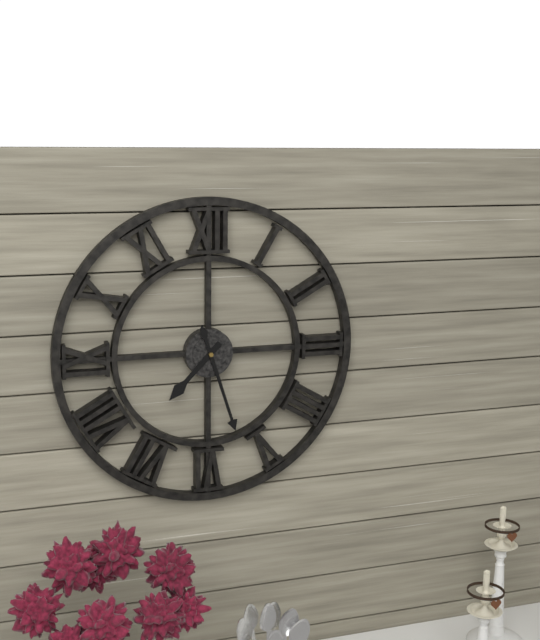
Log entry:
7 h 27 min
